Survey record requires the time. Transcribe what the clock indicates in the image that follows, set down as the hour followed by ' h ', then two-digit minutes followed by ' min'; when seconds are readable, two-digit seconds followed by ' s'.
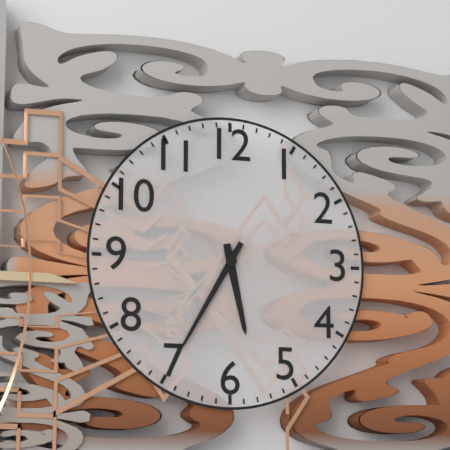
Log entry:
5 h 35 min
